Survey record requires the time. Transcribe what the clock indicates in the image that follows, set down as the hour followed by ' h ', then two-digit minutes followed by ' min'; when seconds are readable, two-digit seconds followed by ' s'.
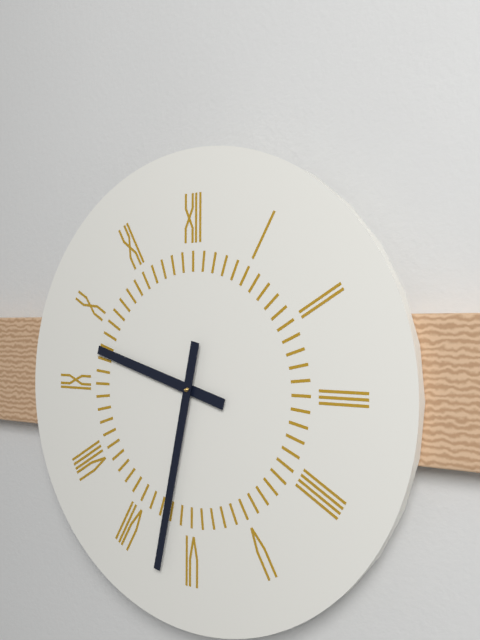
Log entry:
9 h 32 min
